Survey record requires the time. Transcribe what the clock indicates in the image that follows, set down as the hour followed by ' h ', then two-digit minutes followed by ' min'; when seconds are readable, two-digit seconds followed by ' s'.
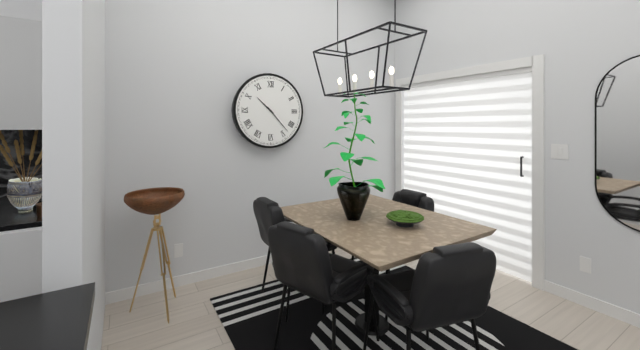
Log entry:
10 h 23 min
